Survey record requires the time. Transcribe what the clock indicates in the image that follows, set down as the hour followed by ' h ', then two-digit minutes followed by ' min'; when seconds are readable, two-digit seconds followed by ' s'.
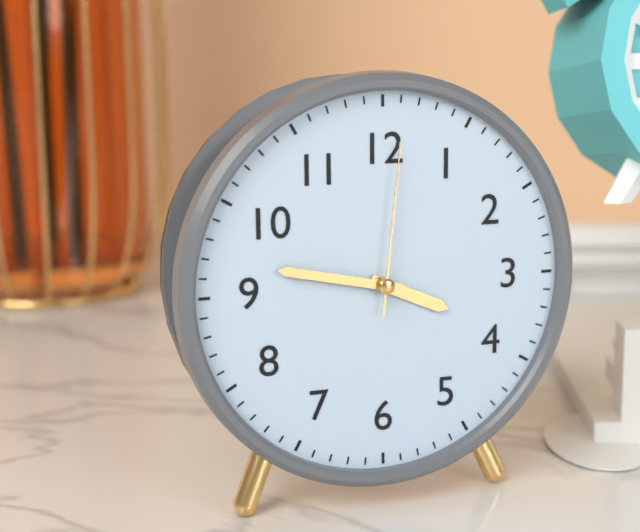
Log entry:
3 h 47 min 01 s
